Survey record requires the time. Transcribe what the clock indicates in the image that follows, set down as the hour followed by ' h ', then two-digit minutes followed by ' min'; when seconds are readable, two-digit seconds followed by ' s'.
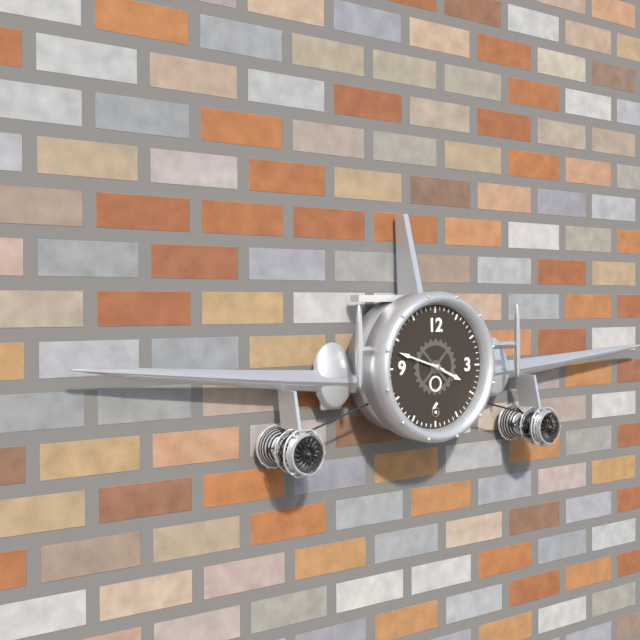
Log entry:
3 h 48 min
